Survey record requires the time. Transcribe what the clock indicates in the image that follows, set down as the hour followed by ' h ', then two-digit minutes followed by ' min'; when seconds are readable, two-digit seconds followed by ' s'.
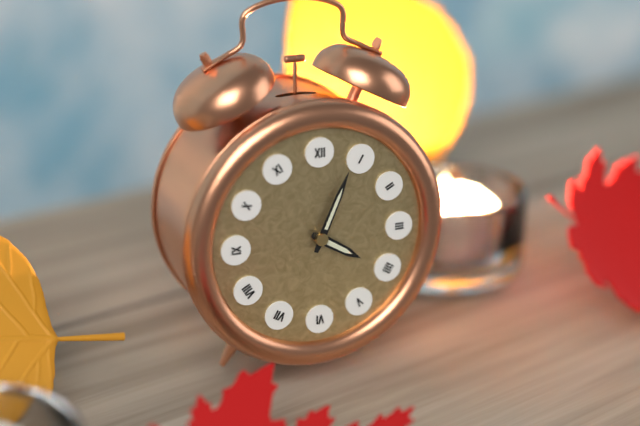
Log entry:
4 h 04 min
